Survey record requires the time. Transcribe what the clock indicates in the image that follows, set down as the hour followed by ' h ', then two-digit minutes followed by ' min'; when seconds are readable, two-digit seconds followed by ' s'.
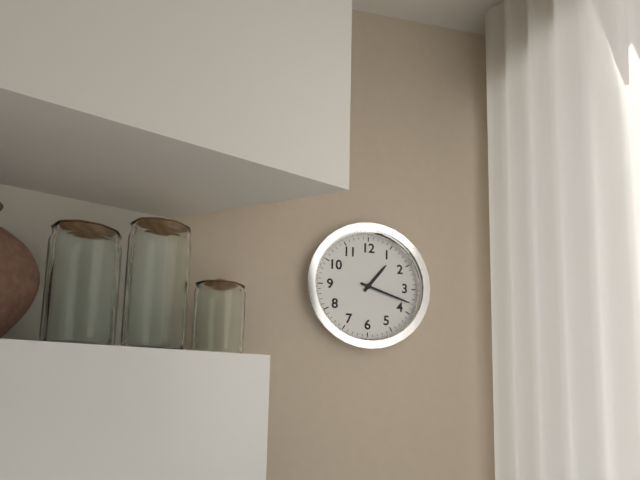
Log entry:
1 h 18 min
